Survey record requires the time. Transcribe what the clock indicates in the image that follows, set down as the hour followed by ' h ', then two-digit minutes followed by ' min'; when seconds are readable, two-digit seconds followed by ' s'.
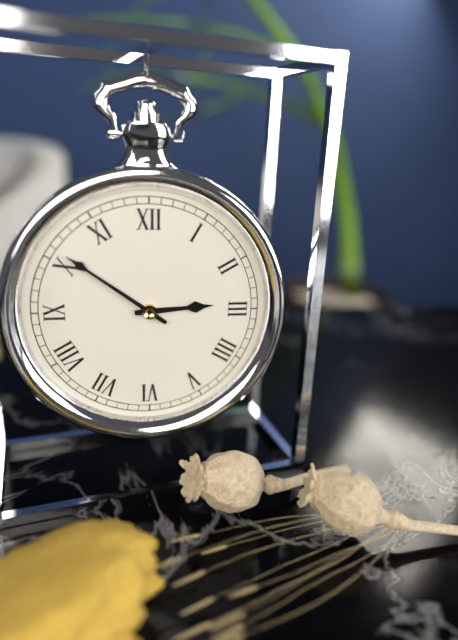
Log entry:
2 h 51 min
